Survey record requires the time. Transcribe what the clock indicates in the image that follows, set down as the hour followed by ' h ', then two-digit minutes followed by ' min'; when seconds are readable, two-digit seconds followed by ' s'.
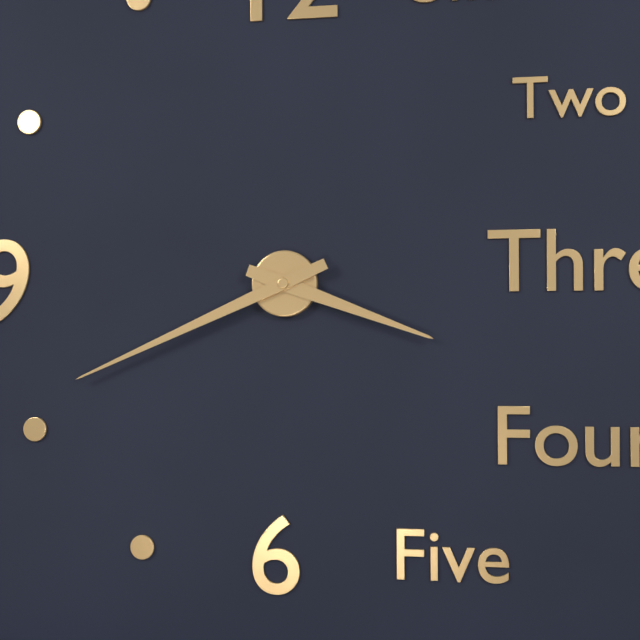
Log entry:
3 h 41 min
